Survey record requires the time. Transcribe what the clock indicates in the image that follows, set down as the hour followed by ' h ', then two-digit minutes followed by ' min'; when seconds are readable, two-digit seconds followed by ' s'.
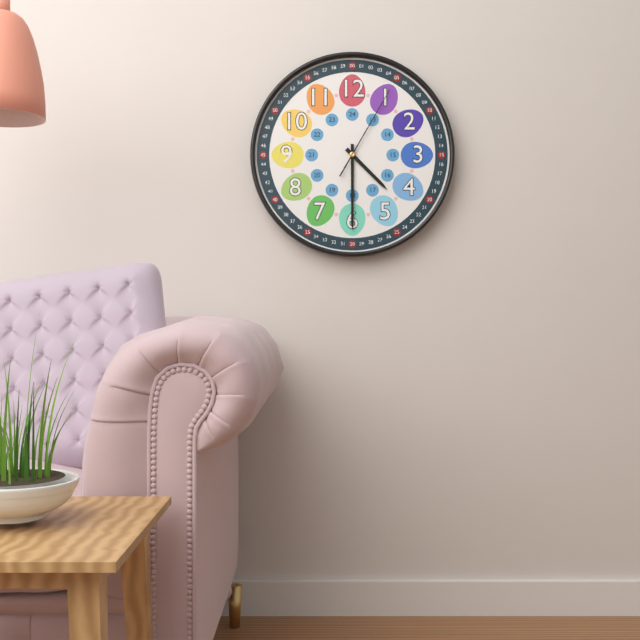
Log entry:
4 h 30 min 05 s
